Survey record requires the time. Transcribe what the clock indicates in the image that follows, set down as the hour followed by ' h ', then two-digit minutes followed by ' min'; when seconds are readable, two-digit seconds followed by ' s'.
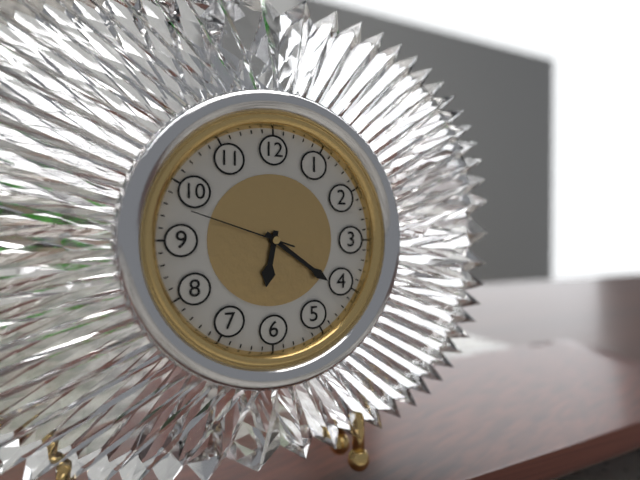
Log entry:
6 h 21 min 48 s
